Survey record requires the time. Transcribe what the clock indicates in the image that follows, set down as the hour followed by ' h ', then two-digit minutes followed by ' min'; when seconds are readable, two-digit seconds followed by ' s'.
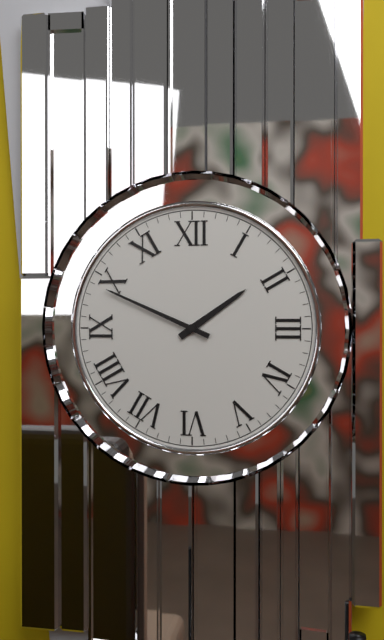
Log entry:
1 h 49 min
